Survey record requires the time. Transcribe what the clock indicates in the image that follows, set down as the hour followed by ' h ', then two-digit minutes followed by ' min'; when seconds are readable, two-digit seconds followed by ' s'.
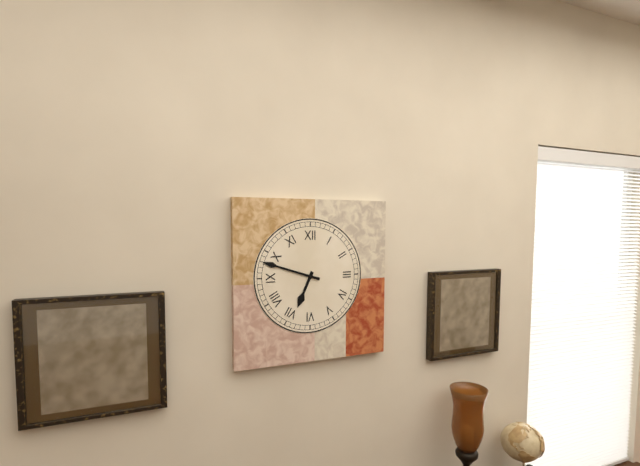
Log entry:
6 h 48 min
